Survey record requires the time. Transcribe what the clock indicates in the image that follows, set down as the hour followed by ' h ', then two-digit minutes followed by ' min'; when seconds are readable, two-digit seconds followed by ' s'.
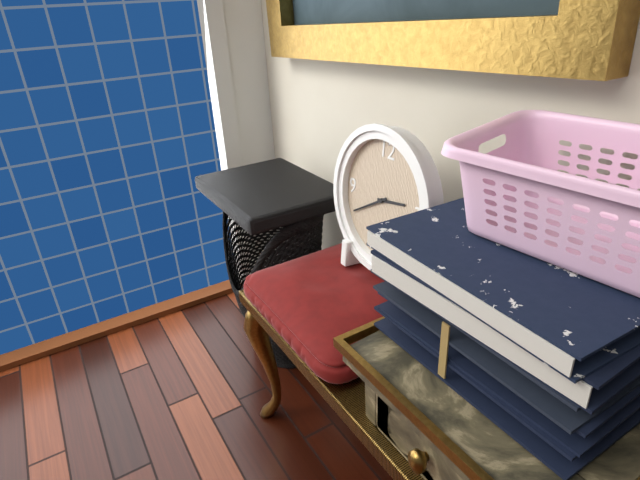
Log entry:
2 h 40 min
